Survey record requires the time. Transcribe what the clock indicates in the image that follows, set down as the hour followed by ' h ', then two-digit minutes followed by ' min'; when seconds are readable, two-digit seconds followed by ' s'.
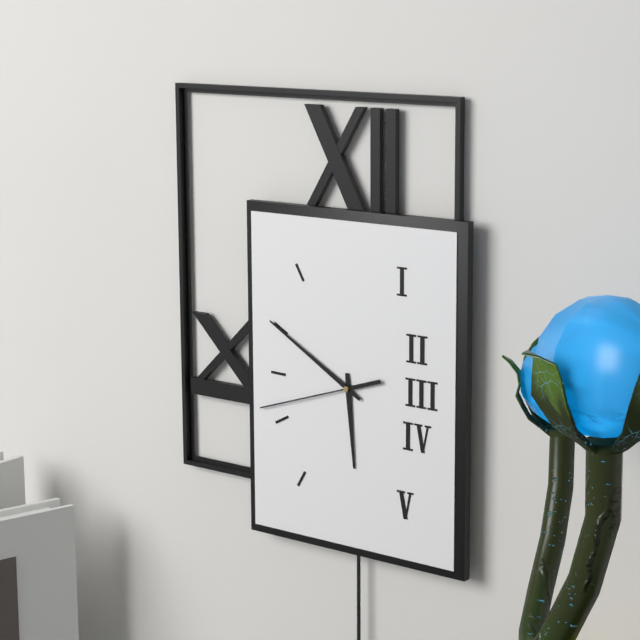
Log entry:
5 h 50 min 42 s
